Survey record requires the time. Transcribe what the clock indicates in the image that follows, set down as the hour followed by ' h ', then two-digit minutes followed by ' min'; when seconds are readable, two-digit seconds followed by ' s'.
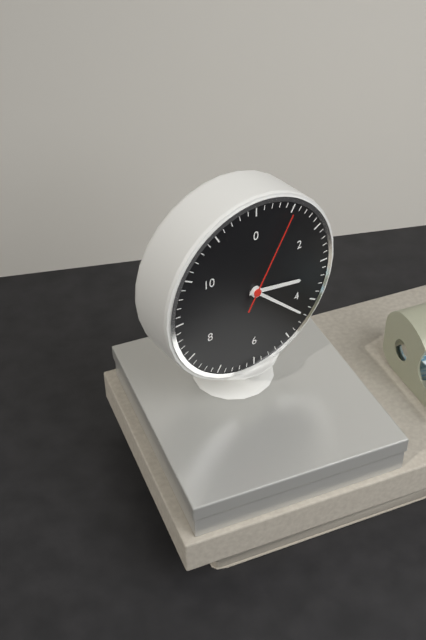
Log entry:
3 h 22 min 05 s
